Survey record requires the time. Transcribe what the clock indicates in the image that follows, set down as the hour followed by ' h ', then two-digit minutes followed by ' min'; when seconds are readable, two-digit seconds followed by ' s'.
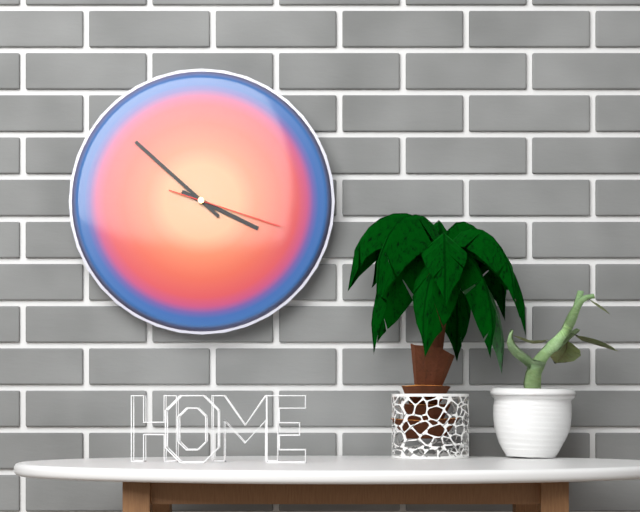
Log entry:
3 h 52 min 18 s
